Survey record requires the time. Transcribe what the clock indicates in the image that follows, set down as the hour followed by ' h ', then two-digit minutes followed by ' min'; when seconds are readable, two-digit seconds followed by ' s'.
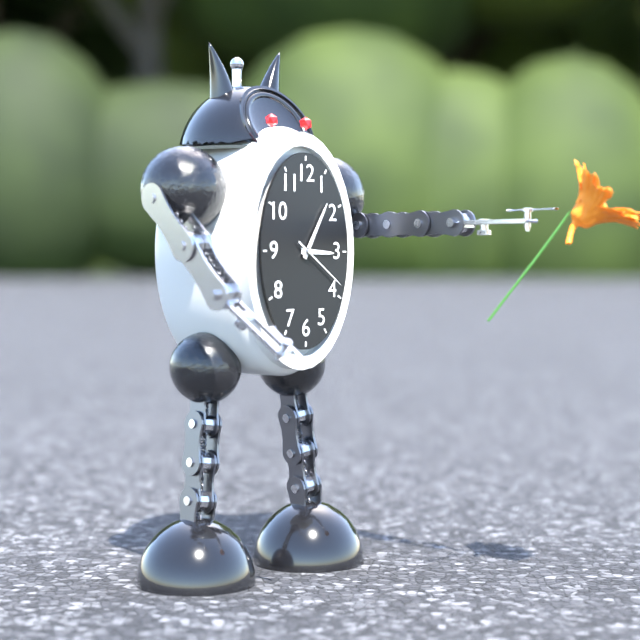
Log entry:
3 h 05 min 21 s
